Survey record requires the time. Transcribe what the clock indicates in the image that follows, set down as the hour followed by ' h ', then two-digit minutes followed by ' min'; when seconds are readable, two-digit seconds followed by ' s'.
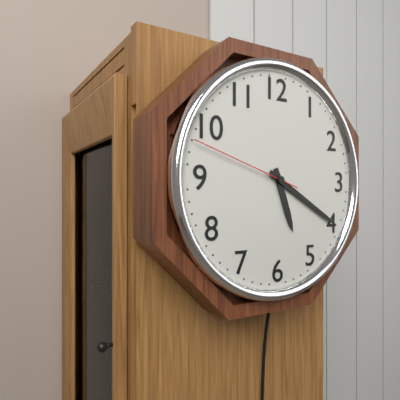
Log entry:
5 h 20 min 48 s
